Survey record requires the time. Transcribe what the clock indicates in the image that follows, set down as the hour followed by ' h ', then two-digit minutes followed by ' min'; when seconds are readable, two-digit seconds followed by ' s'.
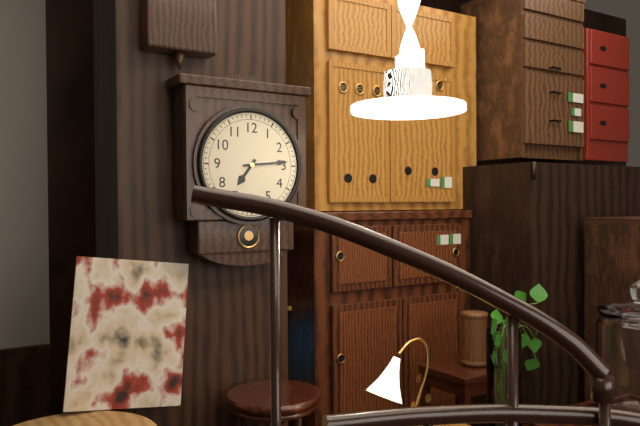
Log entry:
7 h 14 min
